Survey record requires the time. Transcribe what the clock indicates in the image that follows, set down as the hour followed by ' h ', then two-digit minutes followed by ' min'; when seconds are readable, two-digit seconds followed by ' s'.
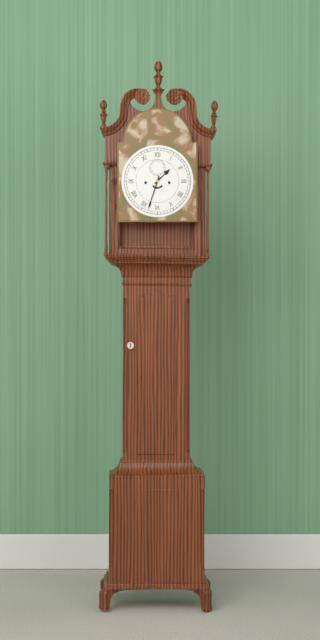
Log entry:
1 h 33 min
